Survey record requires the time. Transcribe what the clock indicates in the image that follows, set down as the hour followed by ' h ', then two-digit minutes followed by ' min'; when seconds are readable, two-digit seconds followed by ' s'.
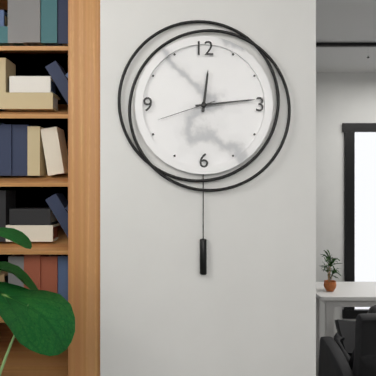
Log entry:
12 h 14 min 42 s
